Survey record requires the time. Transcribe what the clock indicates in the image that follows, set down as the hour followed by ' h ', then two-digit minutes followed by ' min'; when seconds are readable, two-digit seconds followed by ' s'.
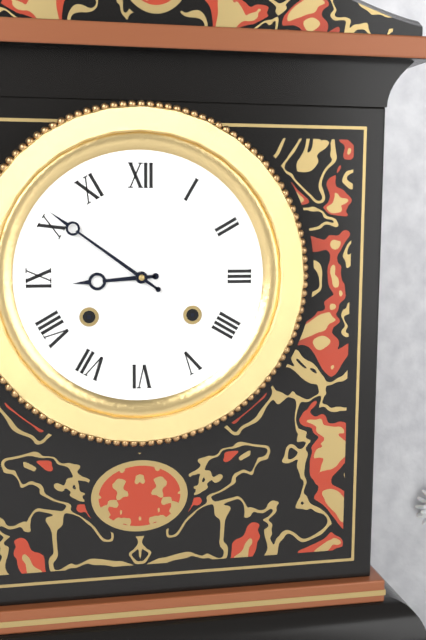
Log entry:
8 h 51 min
